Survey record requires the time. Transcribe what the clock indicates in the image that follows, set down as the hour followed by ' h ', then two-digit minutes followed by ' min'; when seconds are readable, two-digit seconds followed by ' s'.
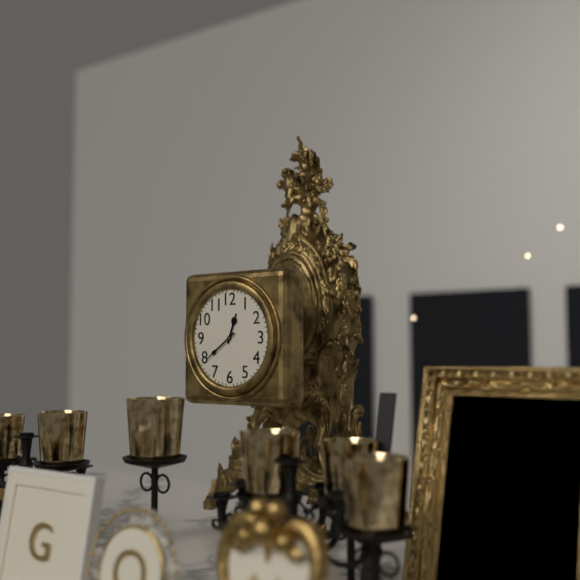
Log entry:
12 h 39 min
